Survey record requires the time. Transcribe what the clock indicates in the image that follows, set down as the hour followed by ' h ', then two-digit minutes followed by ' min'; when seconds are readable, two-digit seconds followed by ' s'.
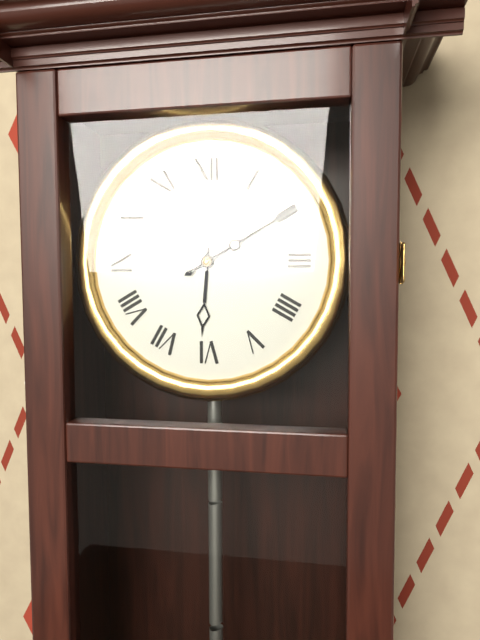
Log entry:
6 h 10 min
